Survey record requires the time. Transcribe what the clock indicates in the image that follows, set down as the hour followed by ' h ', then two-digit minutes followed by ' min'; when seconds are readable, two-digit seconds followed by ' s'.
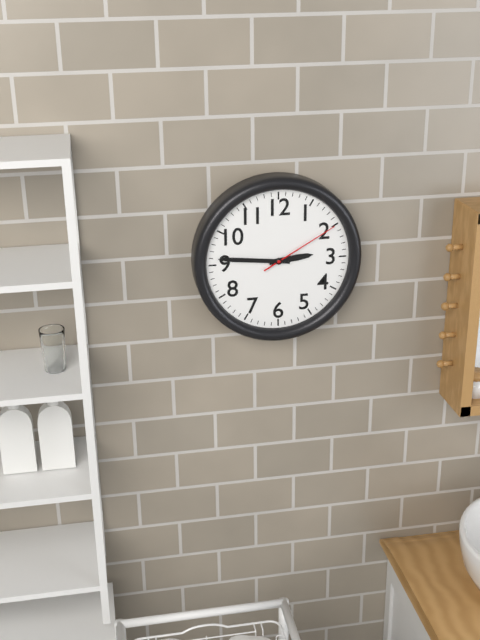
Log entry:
2 h 46 min 10 s
